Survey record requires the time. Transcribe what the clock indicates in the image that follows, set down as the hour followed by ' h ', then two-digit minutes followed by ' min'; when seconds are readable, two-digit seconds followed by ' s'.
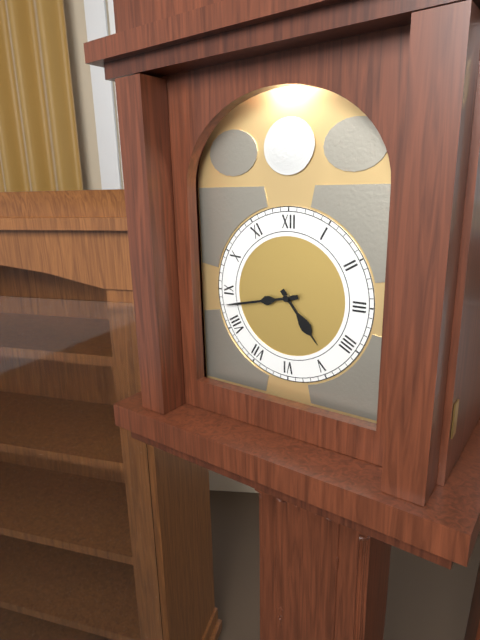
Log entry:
4 h 43 min
